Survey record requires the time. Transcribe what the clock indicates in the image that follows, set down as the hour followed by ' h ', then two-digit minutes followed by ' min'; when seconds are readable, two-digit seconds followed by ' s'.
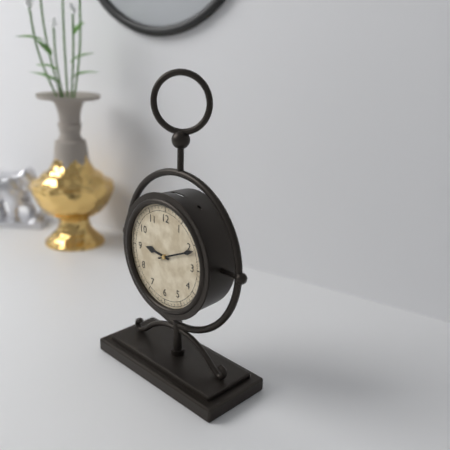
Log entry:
9 h 11 min
